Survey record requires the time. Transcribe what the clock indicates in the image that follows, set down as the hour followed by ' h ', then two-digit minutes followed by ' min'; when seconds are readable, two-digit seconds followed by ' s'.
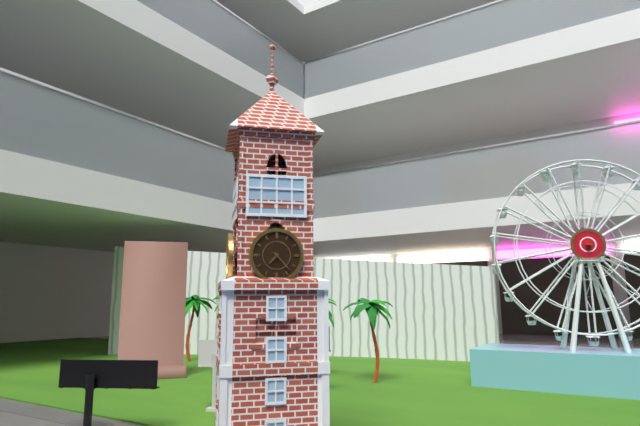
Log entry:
7 h 23 min
